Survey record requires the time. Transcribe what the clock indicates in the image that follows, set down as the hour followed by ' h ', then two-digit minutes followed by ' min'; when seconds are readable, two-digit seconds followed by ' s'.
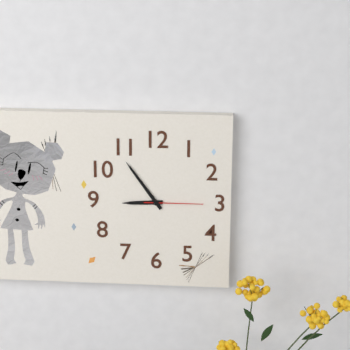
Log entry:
8 h 54 min 15 s
